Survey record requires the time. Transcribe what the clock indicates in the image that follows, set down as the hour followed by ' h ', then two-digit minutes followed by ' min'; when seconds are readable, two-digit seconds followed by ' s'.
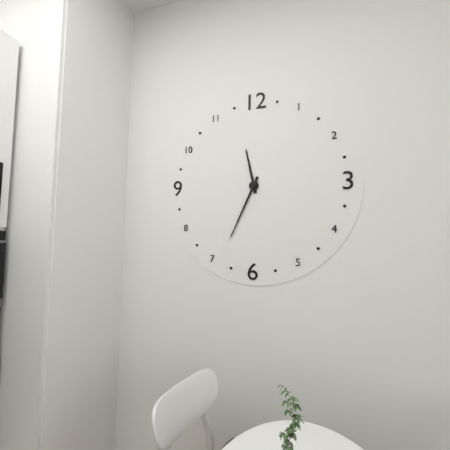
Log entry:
11 h 34 min
